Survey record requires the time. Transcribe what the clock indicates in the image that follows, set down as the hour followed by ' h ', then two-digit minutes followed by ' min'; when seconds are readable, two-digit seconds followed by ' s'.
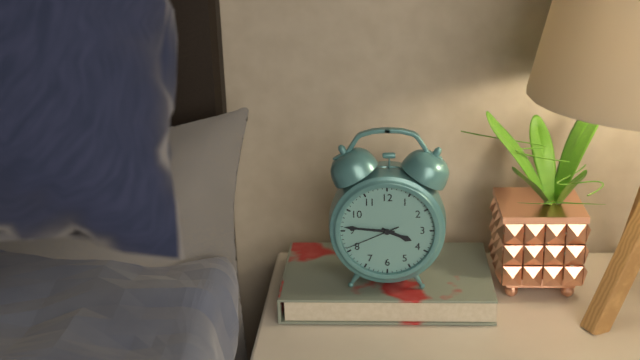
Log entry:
3 h 46 min 41 s
